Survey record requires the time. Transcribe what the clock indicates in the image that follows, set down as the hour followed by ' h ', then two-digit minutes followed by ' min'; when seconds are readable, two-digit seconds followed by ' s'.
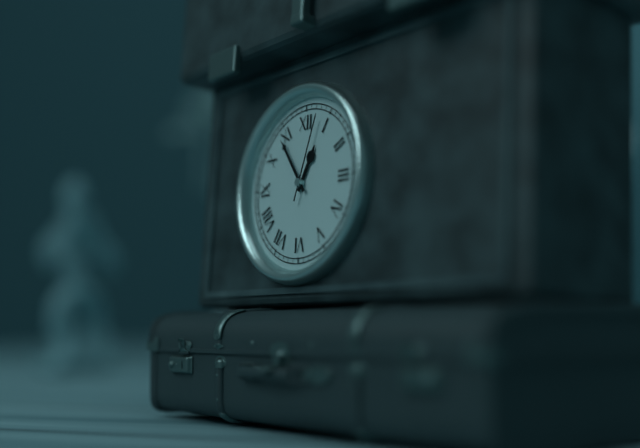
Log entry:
12 h 54 min 03 s
